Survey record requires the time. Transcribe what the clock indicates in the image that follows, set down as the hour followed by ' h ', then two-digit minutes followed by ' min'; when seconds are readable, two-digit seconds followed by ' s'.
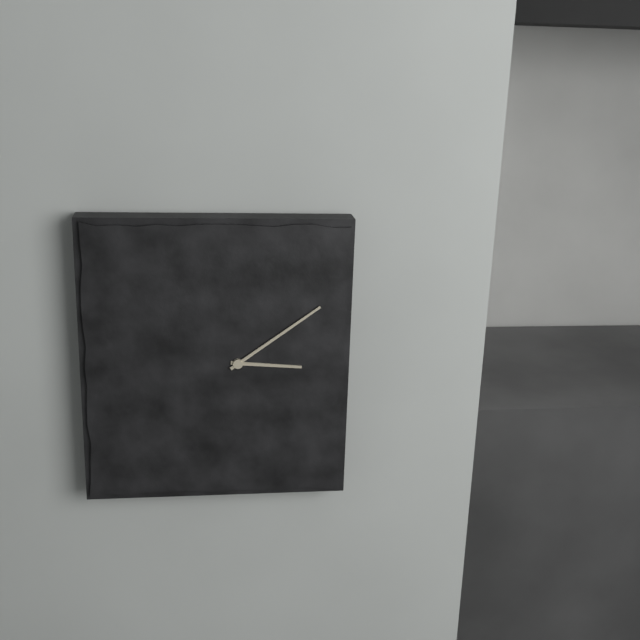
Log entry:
3 h 09 min
